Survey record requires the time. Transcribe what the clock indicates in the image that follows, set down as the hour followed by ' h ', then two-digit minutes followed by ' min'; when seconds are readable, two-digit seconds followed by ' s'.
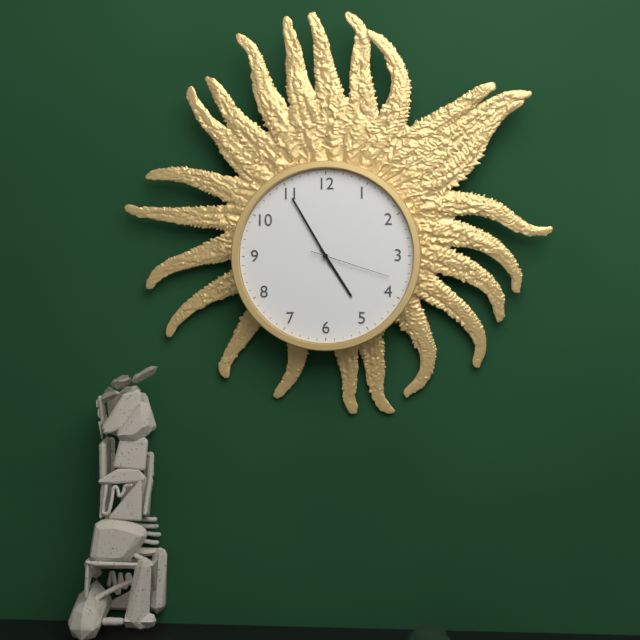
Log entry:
4 h 55 min 18 s
